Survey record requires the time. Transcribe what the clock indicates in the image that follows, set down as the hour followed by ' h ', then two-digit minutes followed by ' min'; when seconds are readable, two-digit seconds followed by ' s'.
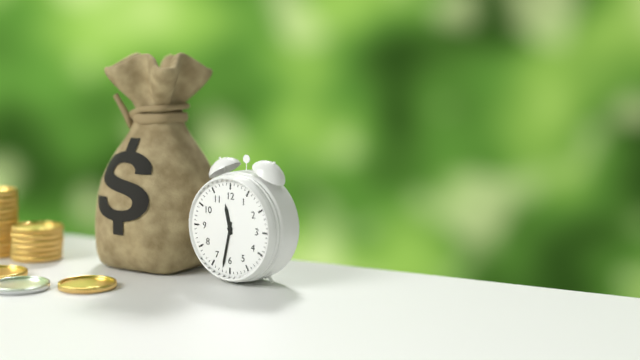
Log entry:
11 h 32 min
